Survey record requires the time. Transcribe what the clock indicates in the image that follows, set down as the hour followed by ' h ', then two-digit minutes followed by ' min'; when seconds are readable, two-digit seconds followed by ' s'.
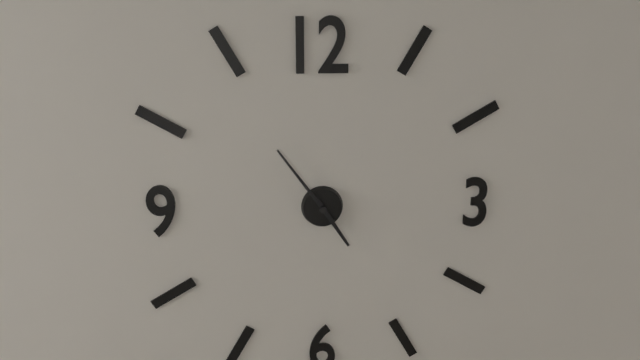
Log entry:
4 h 54 min
